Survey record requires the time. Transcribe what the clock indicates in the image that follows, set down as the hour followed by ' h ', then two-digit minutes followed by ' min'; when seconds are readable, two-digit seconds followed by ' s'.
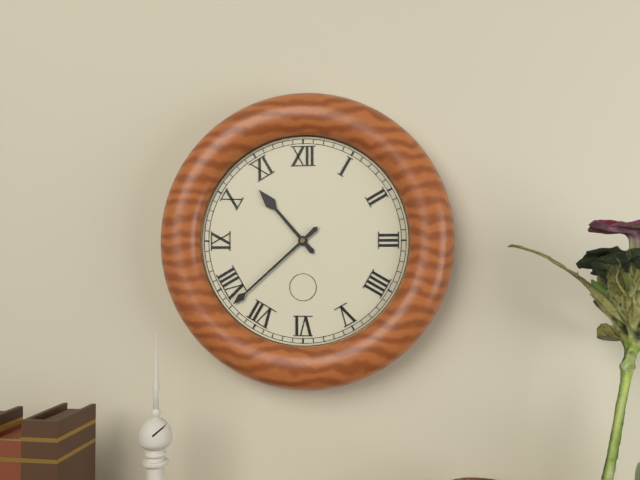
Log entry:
10 h 38 min
